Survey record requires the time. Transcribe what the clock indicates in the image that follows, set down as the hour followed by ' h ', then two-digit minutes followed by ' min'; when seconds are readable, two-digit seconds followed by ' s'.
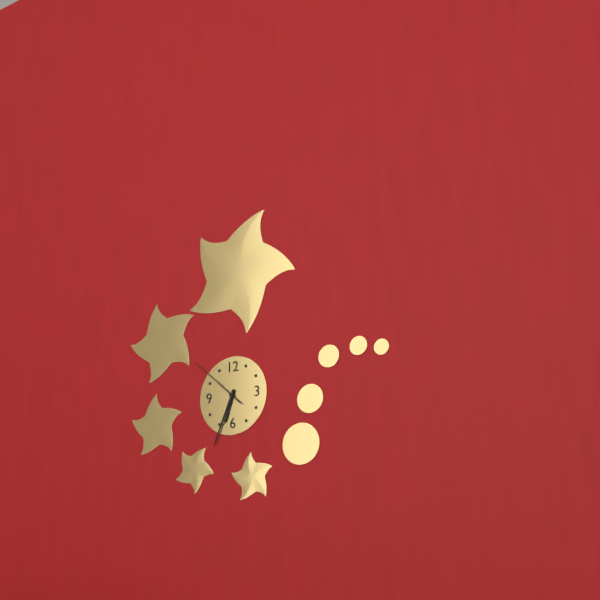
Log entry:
6 h 34 min 52 s
